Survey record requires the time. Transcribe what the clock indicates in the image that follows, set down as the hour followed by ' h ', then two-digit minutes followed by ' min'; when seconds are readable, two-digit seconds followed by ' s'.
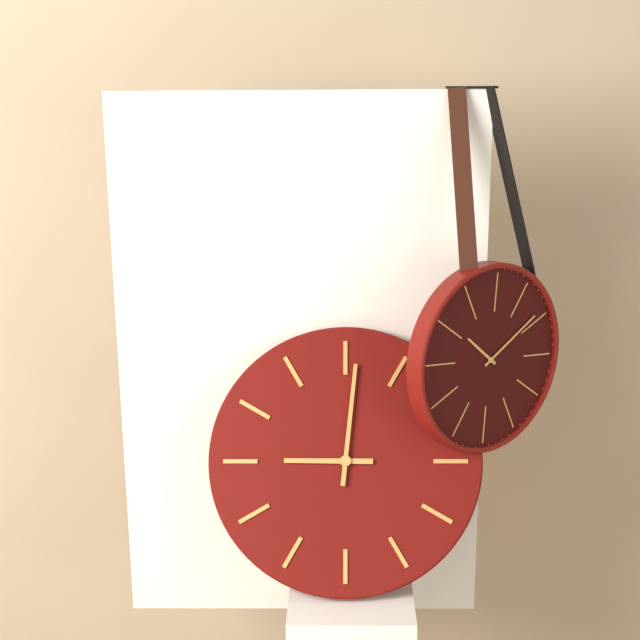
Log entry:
9 h 01 min
